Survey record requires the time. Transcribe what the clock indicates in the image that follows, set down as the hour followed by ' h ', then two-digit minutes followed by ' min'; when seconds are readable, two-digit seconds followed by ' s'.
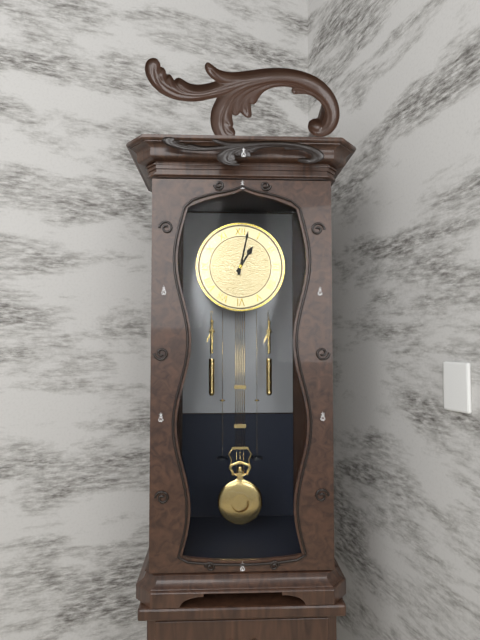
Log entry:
1 h 02 min
